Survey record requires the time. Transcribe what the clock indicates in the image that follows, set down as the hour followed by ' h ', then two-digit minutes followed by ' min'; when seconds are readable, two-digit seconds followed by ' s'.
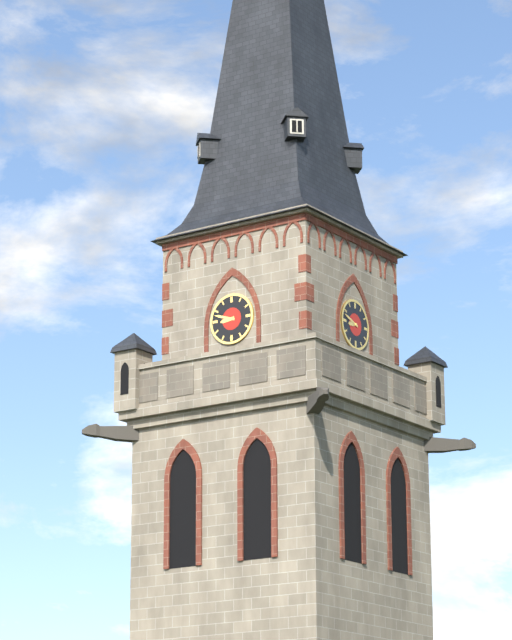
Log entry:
8 h 48 min
